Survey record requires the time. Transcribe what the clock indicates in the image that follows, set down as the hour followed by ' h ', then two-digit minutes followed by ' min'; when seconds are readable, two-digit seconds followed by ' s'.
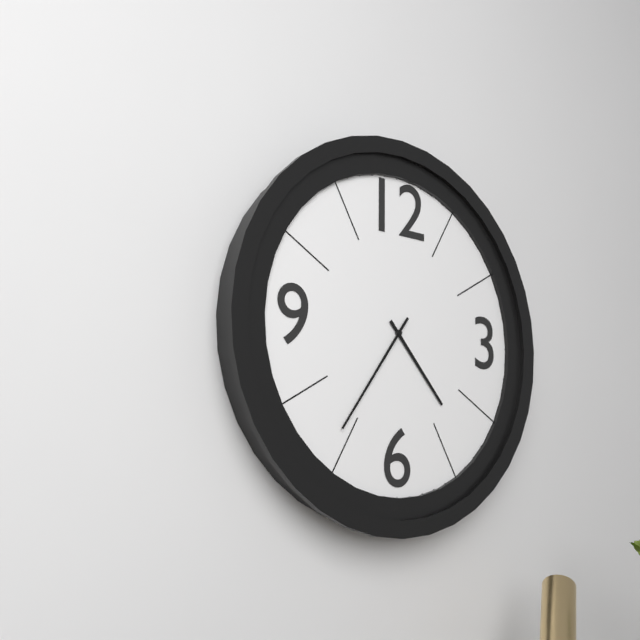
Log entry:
4 h 36 min
